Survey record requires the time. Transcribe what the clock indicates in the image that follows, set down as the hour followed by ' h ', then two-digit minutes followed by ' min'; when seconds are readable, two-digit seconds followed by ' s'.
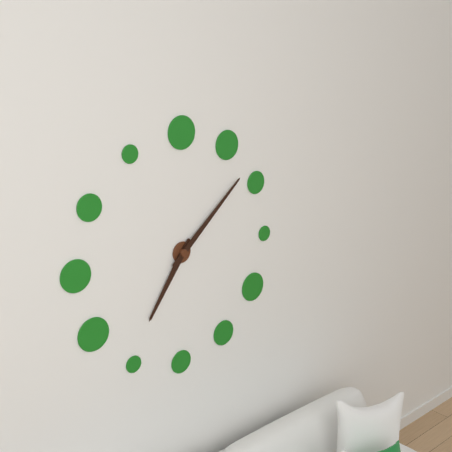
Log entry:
7 h 08 min
